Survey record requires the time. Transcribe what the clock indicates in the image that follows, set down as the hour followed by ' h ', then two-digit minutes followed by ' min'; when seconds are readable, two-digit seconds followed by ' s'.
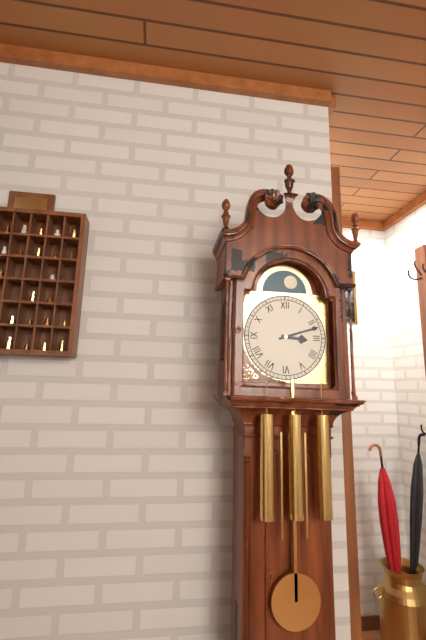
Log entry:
3 h 12 min
